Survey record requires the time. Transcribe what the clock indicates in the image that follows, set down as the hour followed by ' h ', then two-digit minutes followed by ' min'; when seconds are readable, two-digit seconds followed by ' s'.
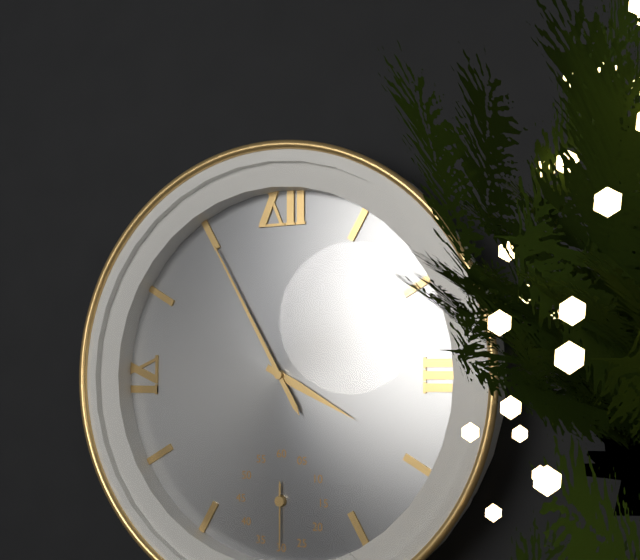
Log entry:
3 h 55 min 30 s
